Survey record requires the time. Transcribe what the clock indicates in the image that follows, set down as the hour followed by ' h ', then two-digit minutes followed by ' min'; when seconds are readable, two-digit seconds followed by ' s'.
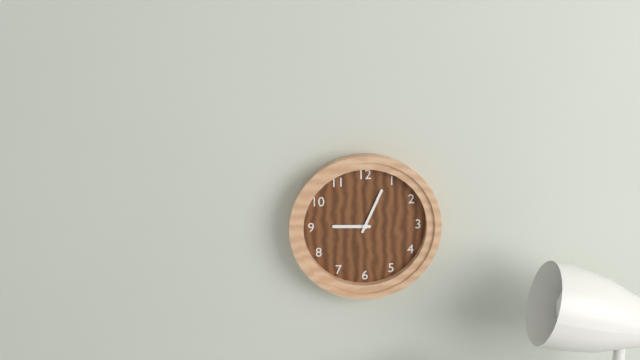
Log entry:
9 h 04 min
